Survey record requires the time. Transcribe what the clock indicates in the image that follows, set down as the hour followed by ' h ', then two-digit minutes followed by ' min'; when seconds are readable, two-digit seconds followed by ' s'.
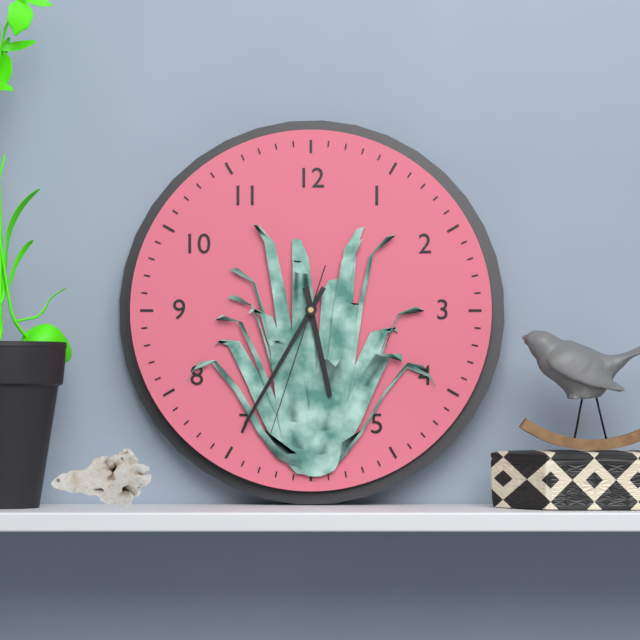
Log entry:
5 h 35 min 33 s
